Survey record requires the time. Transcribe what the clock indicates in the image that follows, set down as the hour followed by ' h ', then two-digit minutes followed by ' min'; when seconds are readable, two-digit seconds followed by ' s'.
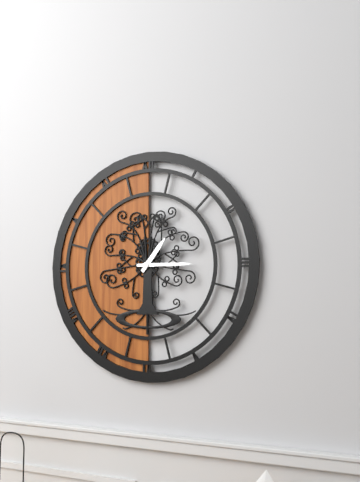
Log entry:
1 h 15 min
